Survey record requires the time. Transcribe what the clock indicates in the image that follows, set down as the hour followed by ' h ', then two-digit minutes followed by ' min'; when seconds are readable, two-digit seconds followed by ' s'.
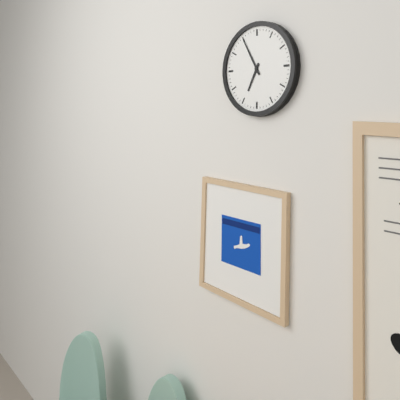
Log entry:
6 h 55 min
